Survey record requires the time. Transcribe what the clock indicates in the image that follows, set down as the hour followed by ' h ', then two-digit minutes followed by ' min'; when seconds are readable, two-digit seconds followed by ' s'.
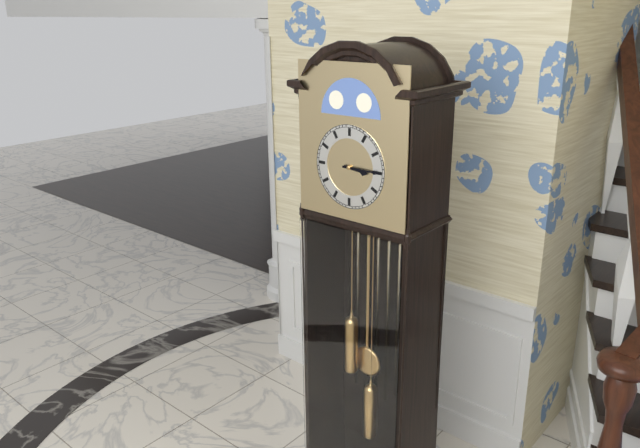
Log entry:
3 h 15 min
